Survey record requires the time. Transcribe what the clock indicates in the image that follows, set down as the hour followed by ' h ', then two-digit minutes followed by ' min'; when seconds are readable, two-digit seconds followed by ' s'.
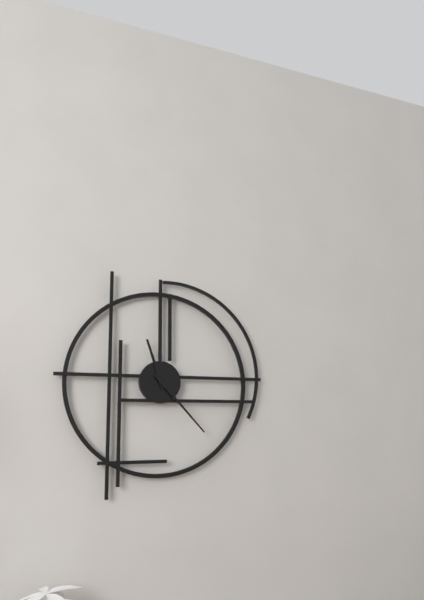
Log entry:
11 h 23 min
